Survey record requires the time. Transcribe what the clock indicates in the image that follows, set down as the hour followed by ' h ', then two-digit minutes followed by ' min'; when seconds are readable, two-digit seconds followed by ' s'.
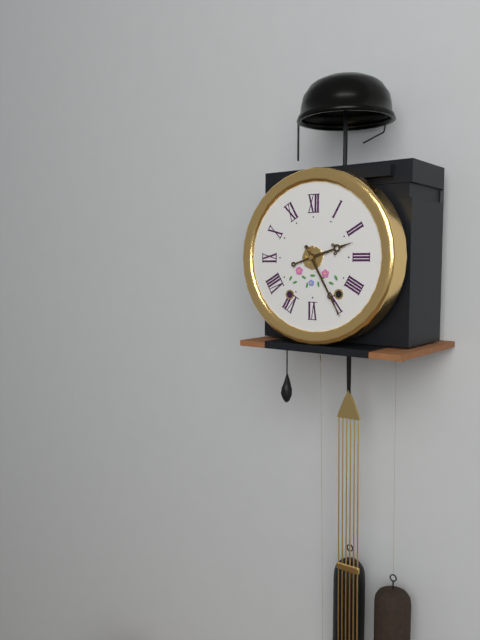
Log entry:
2 h 25 min
